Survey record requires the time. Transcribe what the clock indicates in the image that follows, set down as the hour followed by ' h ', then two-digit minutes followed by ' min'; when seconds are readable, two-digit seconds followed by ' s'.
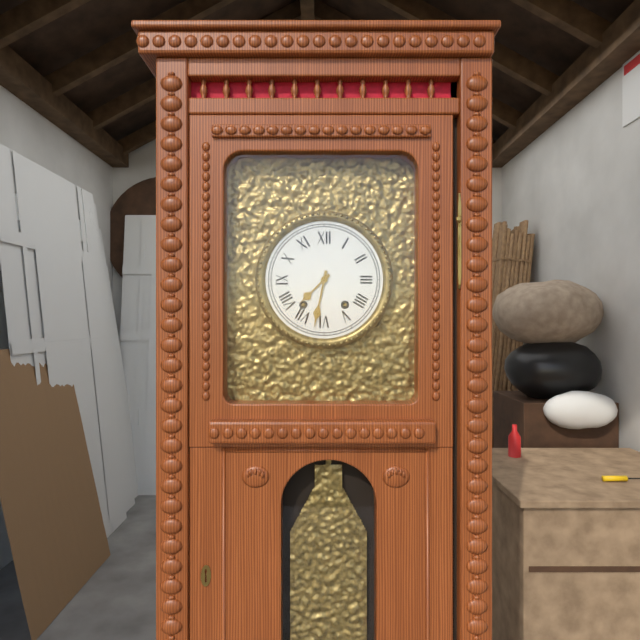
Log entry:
7 h 32 min
